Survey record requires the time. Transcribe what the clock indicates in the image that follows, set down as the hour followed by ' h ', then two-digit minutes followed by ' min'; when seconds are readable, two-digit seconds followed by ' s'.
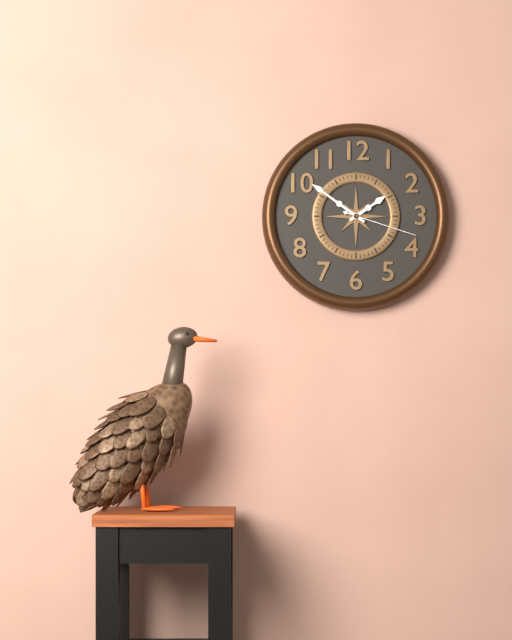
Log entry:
1 h 51 min 18 s
